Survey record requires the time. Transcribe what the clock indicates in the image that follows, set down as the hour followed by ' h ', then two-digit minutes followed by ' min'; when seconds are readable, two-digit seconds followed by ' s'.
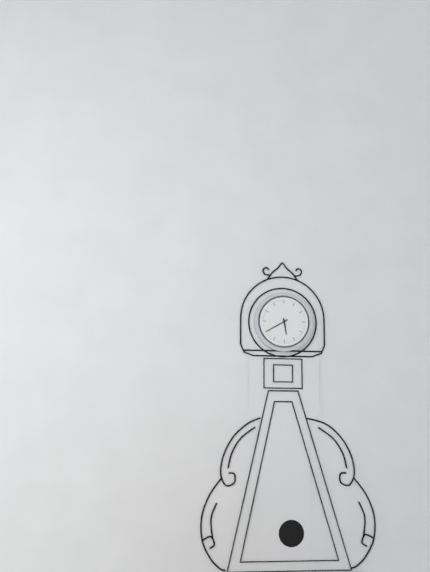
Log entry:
5 h 40 min
